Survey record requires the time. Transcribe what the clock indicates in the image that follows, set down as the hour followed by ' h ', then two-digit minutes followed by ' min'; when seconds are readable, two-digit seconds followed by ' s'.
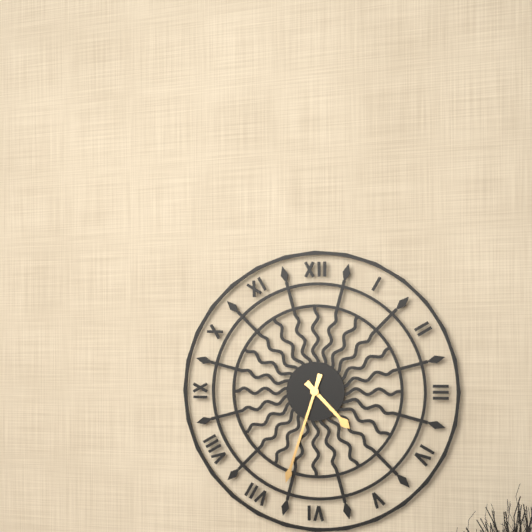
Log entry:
4 h 33 min
